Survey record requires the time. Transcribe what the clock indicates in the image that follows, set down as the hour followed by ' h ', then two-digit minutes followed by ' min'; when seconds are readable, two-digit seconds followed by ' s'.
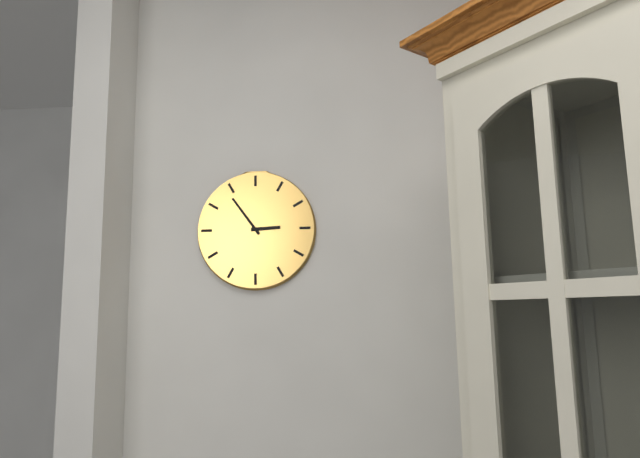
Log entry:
2 h 54 min
